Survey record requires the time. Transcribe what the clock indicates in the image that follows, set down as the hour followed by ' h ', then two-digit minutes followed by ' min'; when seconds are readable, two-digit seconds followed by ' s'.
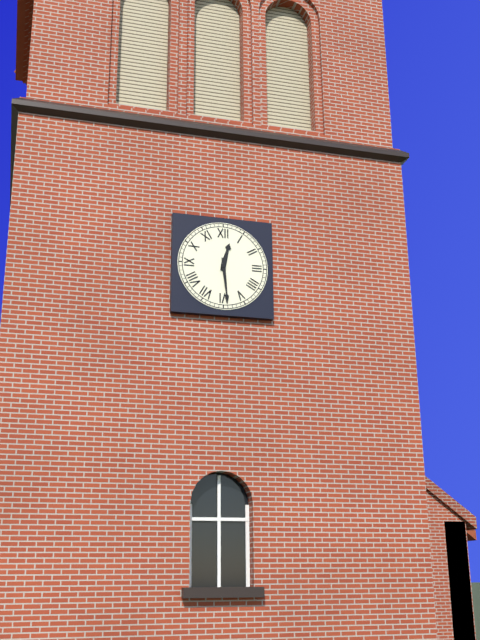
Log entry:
12 h 29 min
